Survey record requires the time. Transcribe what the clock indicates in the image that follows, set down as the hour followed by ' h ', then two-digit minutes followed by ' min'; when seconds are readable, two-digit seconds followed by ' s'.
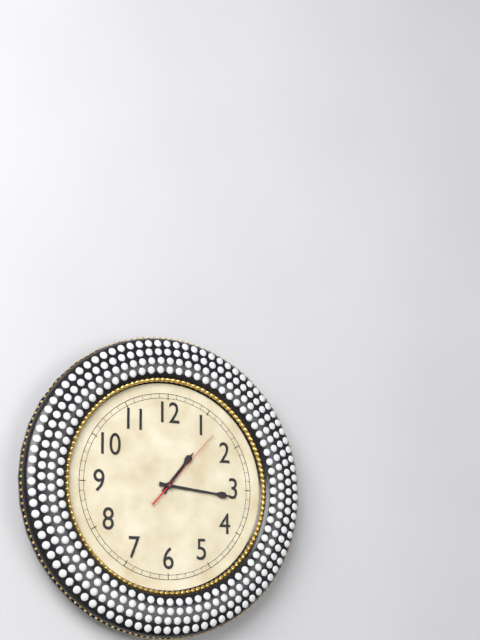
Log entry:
1 h 16 min 07 s
